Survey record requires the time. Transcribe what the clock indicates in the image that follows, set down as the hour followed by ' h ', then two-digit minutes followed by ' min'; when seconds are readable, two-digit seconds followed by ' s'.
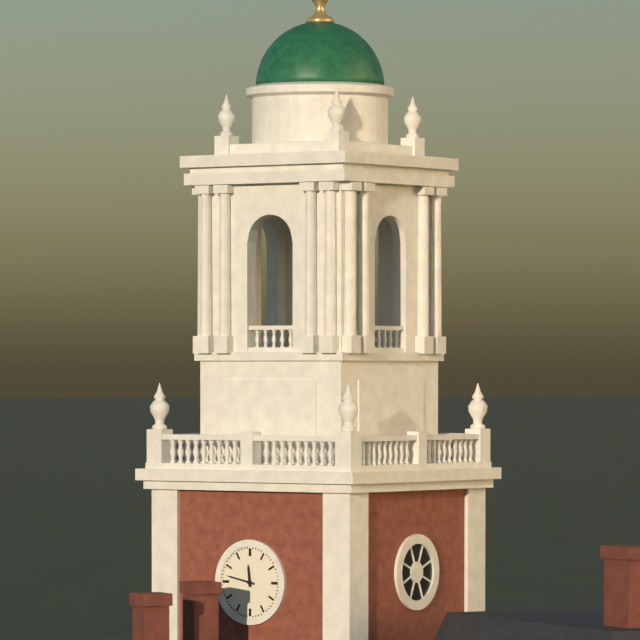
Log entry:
11 h 47 min
